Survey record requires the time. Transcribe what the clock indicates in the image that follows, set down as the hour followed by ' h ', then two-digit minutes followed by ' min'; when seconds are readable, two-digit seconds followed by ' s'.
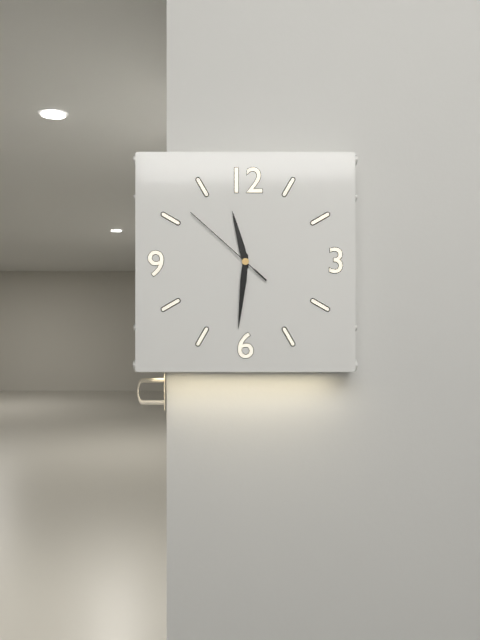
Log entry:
11 h 31 min 52 s
